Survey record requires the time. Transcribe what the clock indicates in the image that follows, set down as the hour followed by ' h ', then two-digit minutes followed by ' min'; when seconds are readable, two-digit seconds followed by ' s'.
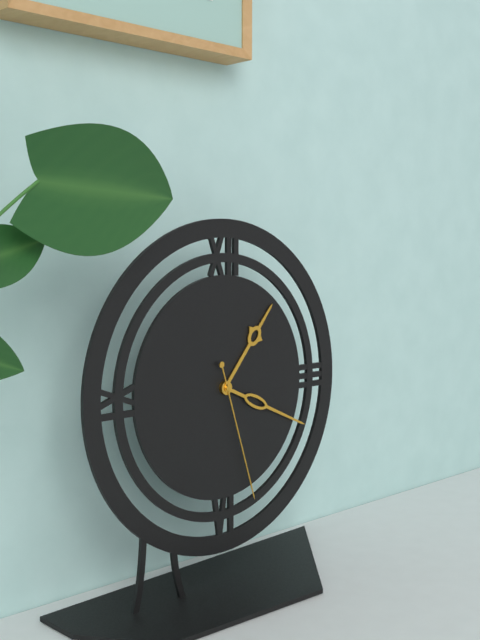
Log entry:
1 h 19 min 27 s
